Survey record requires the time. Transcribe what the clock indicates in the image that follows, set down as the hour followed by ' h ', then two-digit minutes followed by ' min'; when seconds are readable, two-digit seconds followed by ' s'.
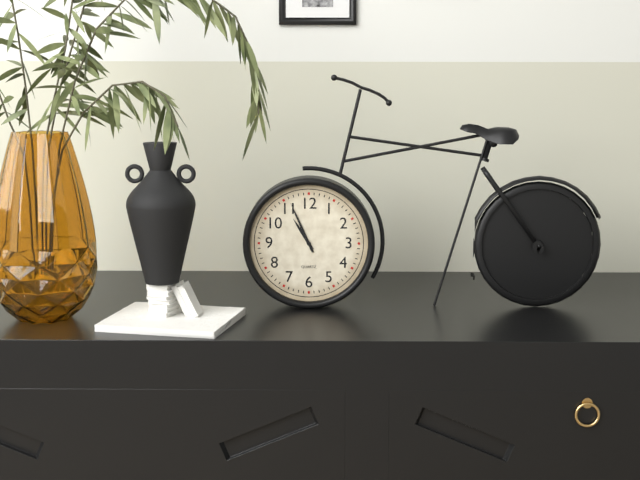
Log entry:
10 h 56 min
